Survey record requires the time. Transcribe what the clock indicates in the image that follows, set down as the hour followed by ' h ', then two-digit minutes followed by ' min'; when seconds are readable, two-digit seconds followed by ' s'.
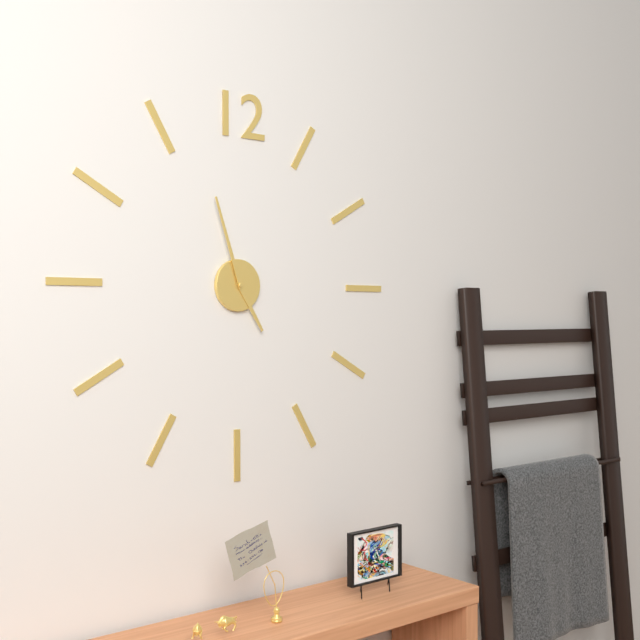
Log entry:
4 h 57 min
